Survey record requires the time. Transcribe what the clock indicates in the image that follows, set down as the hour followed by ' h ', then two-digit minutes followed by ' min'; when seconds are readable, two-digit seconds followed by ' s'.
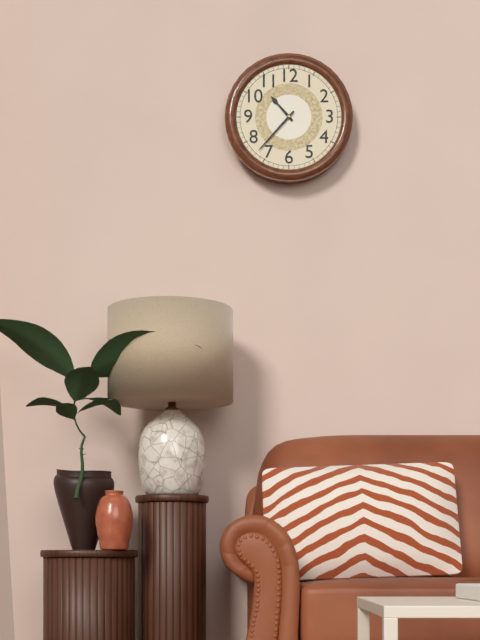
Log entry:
10 h 37 min
